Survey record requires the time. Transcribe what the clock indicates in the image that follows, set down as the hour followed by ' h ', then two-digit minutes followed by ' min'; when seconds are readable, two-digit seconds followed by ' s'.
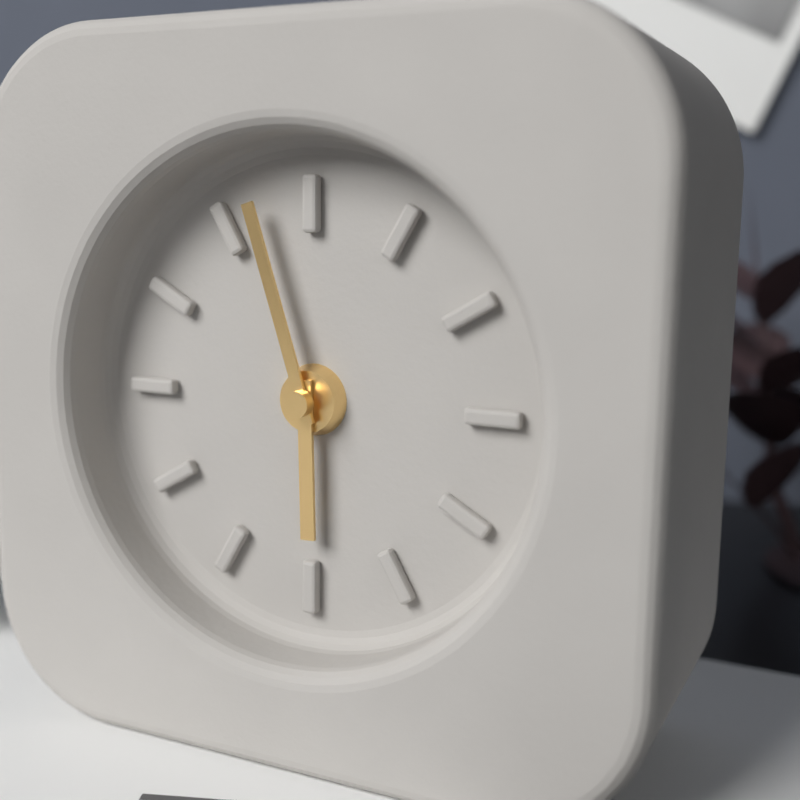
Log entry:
5 h 57 min
